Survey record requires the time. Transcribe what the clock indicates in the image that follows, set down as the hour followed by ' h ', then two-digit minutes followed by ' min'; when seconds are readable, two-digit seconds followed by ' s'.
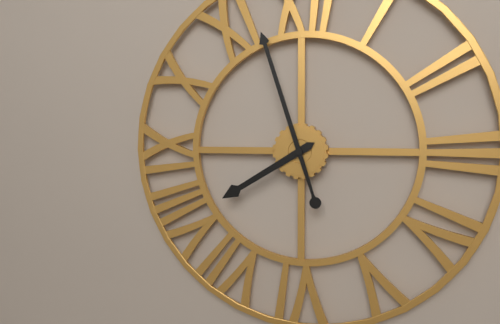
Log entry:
7 h 57 min
